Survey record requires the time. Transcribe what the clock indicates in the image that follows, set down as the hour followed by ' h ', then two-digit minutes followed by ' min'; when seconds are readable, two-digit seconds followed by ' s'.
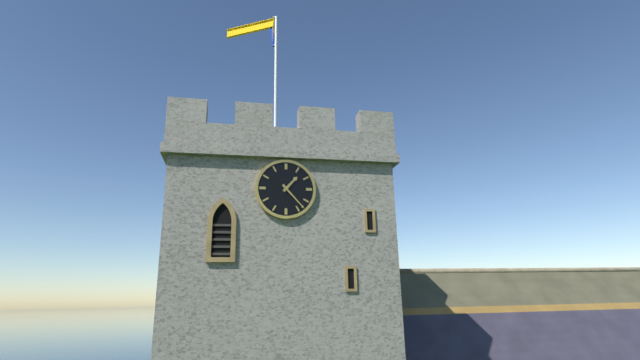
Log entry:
1 h 23 min
